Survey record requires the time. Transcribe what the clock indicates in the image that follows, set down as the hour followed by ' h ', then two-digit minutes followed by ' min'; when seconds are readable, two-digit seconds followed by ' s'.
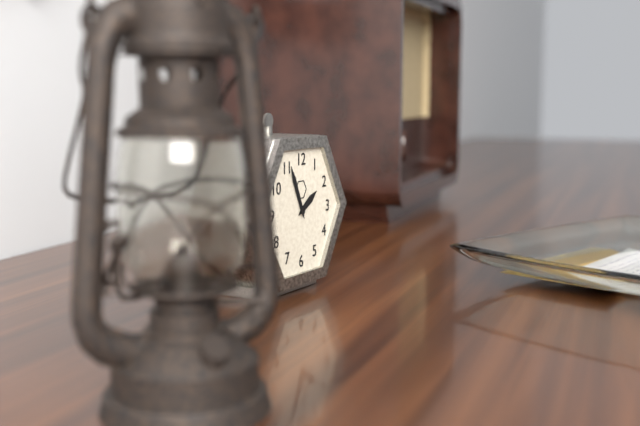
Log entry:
1 h 56 min
